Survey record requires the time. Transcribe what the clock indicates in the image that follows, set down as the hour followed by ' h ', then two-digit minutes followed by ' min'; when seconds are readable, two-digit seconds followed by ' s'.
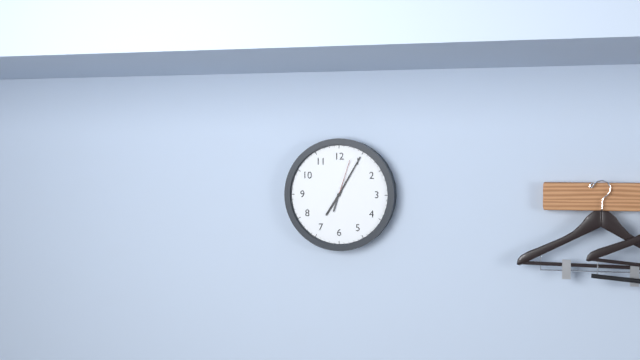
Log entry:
7 h 05 min
